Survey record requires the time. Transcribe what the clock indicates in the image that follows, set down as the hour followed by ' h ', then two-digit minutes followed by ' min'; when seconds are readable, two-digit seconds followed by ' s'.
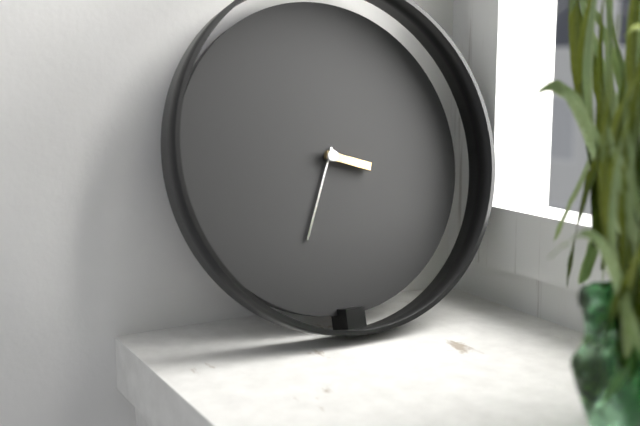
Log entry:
3 h 34 min
